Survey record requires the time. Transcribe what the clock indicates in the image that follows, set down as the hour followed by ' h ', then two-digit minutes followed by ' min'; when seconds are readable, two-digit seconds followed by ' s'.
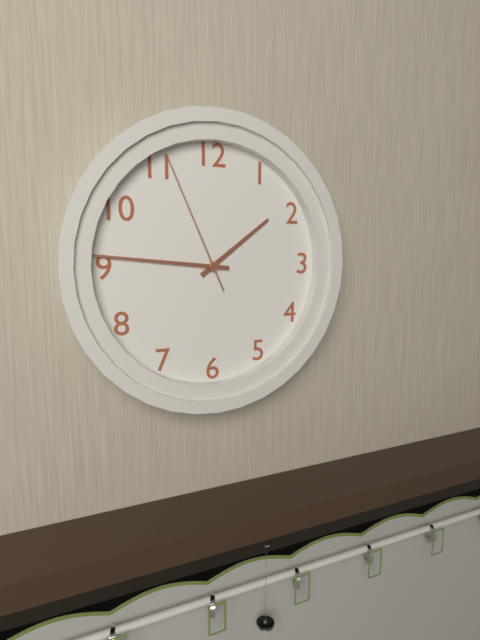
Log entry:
1 h 46 min 56 s
